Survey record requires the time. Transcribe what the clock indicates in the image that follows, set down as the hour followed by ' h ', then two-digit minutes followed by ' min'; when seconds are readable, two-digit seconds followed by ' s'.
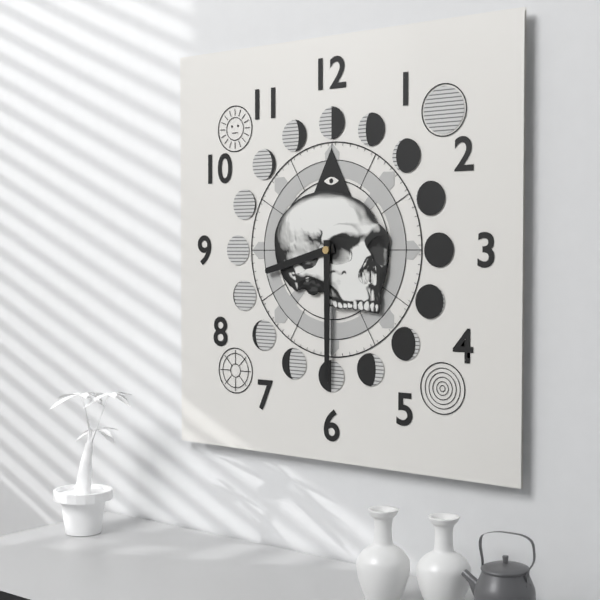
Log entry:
8 h 30 min
